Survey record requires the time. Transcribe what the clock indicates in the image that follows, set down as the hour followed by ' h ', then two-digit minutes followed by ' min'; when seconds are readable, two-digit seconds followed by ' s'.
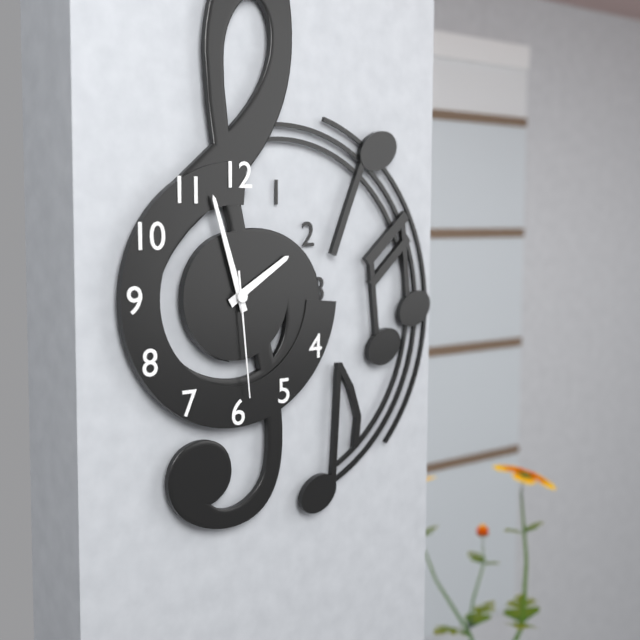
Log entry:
1 h 57 min 29 s
